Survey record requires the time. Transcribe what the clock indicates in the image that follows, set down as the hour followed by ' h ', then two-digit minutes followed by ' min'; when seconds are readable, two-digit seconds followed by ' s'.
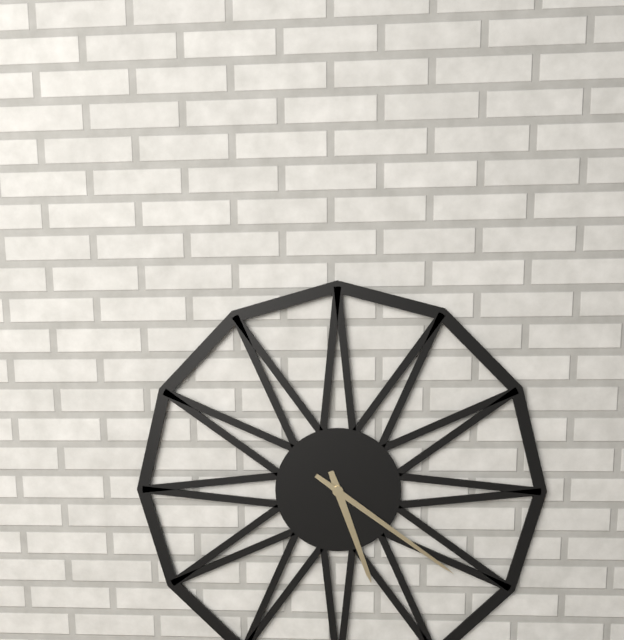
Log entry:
5 h 21 min
